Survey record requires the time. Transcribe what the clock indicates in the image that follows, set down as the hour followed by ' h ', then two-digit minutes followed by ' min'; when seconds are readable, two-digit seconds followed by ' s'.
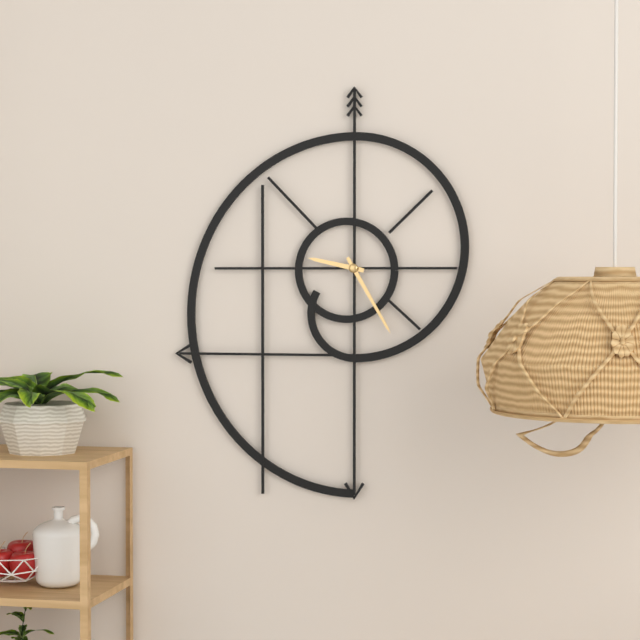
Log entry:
9 h 25 min
